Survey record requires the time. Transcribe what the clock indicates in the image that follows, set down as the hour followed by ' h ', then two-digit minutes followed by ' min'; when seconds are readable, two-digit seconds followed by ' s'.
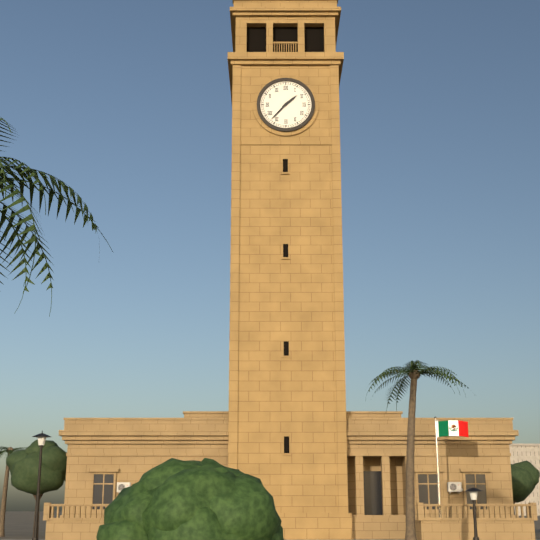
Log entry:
1 h 37 min
